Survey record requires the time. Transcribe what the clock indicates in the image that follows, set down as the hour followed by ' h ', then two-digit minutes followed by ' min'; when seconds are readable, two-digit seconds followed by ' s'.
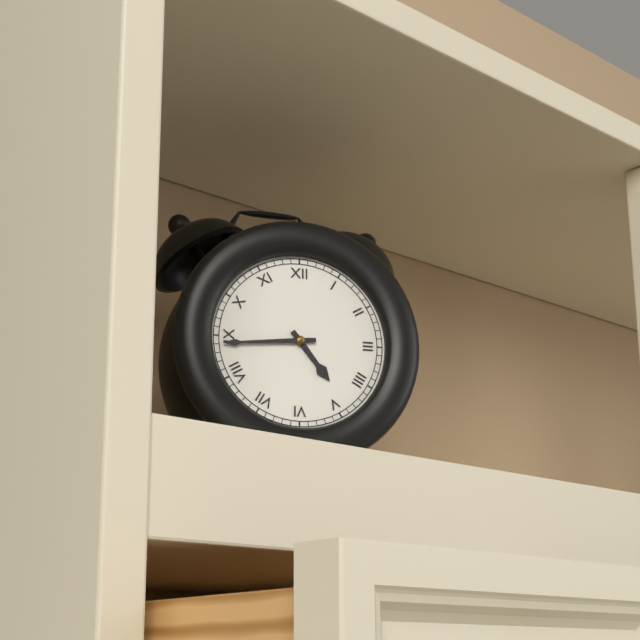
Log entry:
4 h 44 min
